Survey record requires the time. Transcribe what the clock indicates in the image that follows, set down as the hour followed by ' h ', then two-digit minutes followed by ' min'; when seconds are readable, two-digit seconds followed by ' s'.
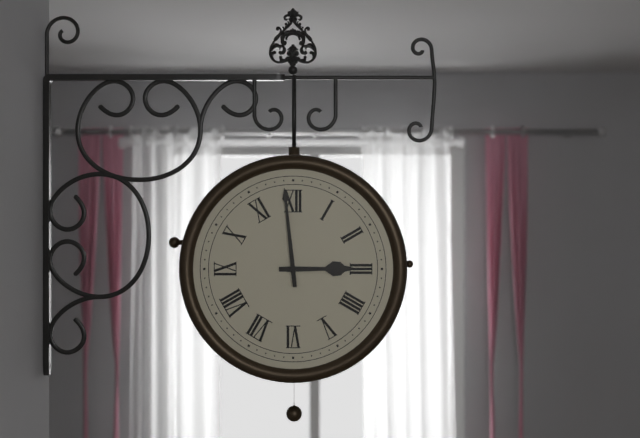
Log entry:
2 h 59 min
